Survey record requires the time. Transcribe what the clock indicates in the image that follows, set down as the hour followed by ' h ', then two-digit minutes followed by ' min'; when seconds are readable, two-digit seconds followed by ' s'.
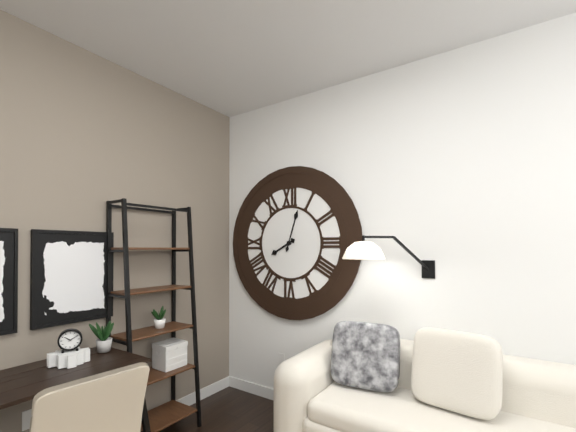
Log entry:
8 h 03 min
